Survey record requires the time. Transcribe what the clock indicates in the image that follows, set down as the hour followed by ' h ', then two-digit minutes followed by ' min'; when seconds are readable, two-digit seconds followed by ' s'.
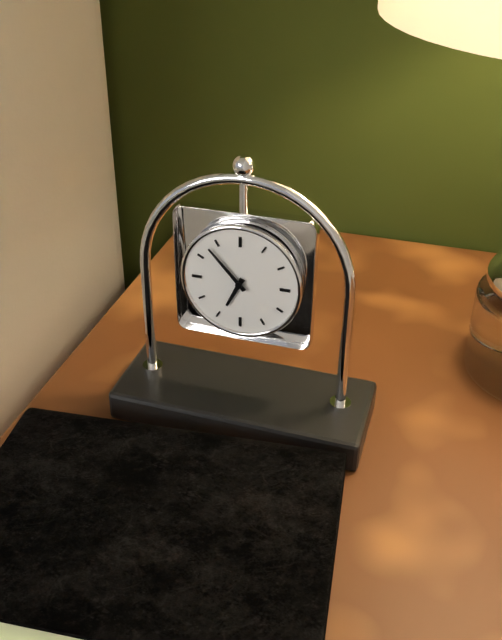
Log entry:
6 h 53 min
